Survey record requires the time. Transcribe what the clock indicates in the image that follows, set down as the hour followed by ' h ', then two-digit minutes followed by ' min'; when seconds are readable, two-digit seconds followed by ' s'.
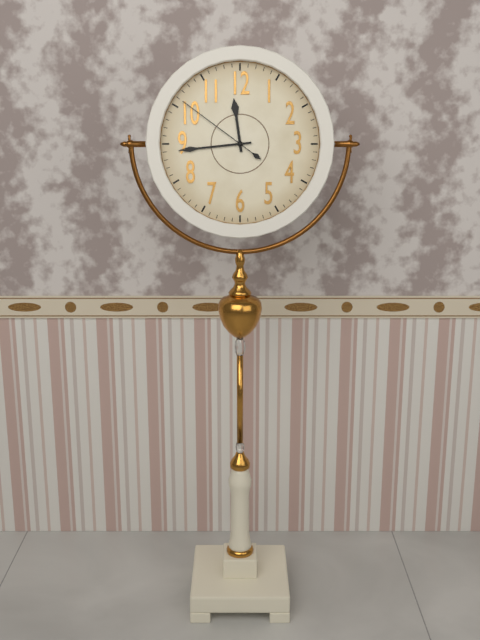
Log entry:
11 h 44 min 51 s
